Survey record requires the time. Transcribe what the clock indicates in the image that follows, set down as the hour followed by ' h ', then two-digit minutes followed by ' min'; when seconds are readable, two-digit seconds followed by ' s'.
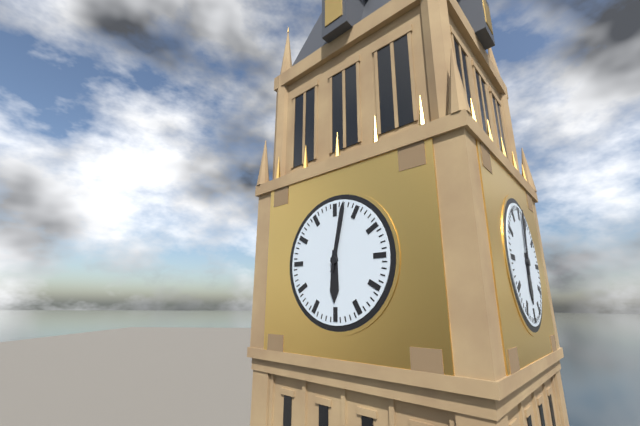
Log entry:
6 h 02 min
